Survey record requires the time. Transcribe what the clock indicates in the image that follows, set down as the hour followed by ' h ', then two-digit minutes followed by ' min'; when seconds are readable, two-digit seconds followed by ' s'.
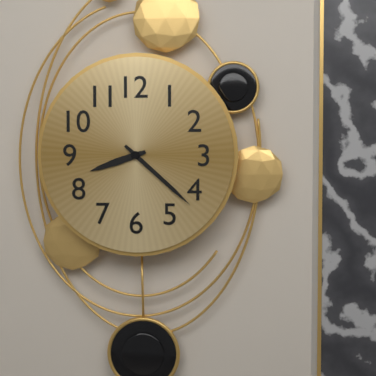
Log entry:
8 h 22 min
